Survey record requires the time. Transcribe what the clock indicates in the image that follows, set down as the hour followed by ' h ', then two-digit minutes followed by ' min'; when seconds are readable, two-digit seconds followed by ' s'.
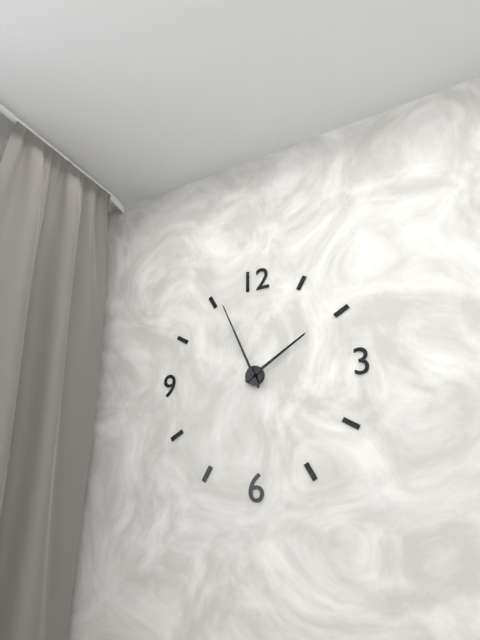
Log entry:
1 h 56 min
